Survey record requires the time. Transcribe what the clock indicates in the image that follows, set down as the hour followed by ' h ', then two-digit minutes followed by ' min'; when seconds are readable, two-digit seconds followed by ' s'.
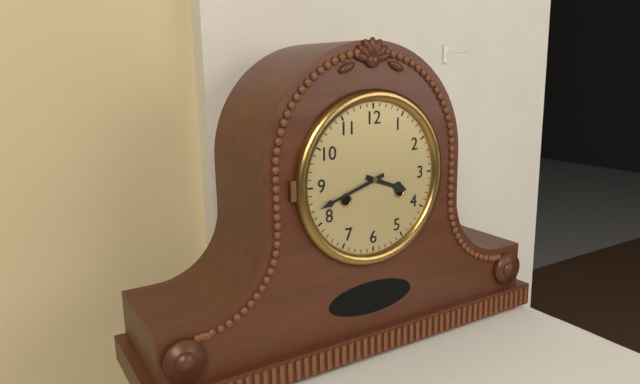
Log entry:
3 h 42 min
